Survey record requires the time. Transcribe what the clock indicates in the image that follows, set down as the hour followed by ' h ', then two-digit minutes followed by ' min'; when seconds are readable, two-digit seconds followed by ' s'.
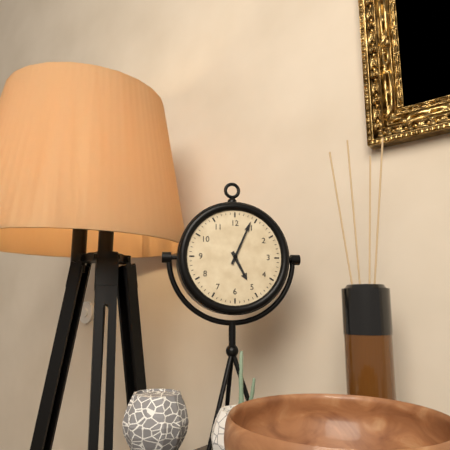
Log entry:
5 h 04 min
